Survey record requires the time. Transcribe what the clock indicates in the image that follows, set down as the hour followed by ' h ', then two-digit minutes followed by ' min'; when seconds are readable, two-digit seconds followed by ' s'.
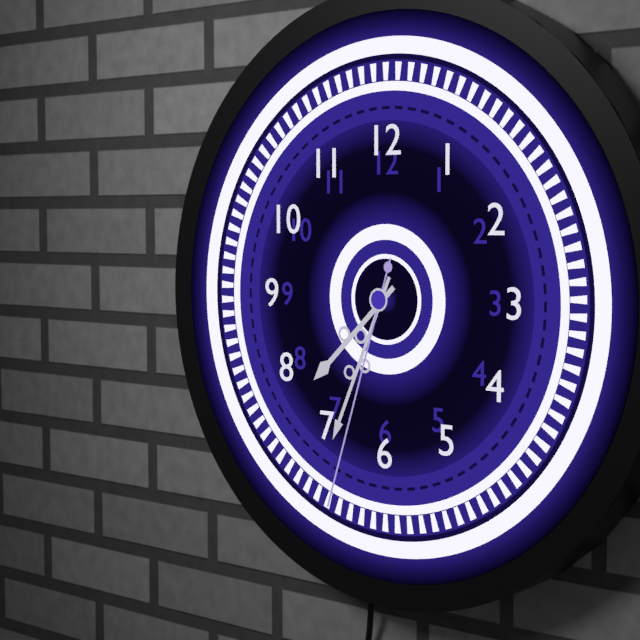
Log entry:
7 h 34 min 33 s
